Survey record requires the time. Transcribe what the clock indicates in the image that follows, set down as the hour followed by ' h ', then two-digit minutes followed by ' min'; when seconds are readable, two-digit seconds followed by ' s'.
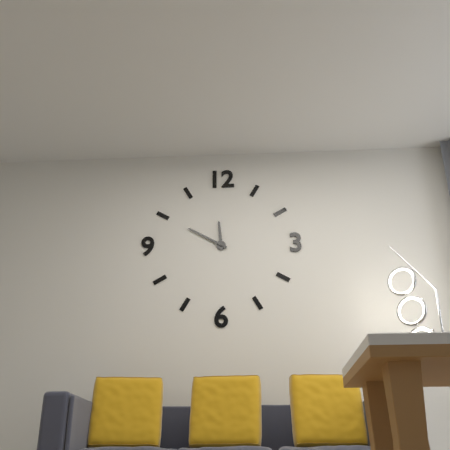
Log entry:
11 h 50 min
